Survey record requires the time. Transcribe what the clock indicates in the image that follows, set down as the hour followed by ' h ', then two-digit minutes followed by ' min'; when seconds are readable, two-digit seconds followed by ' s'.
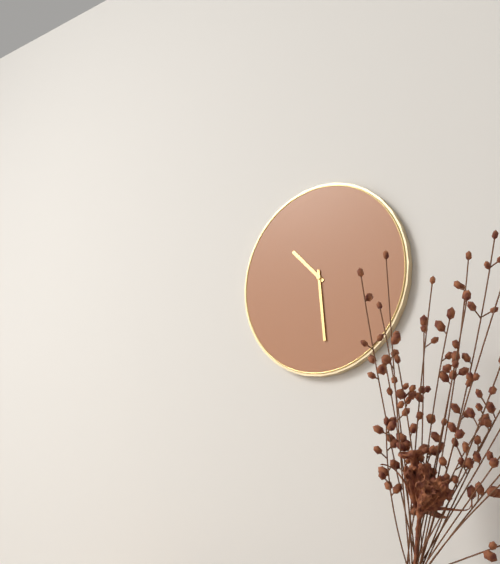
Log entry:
10 h 29 min
